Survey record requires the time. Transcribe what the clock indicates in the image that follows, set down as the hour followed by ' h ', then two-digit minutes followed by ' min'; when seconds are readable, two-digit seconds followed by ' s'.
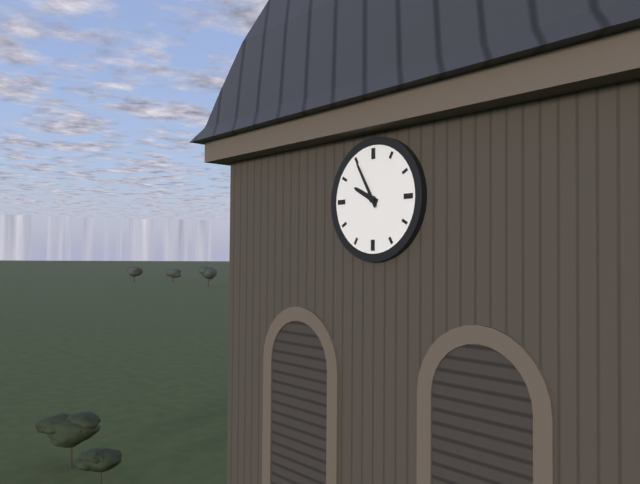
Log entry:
9 h 55 min
